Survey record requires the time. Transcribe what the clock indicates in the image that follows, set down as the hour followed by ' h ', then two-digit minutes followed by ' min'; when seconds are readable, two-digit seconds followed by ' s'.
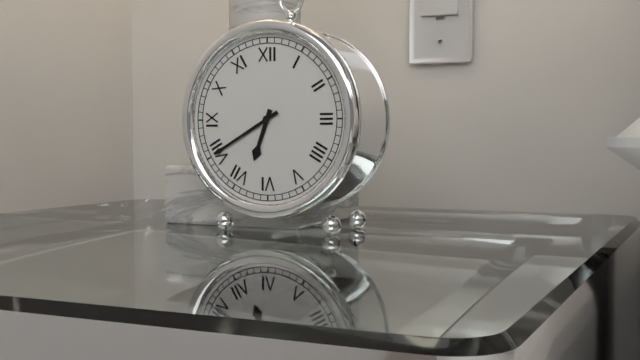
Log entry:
6 h 40 min
